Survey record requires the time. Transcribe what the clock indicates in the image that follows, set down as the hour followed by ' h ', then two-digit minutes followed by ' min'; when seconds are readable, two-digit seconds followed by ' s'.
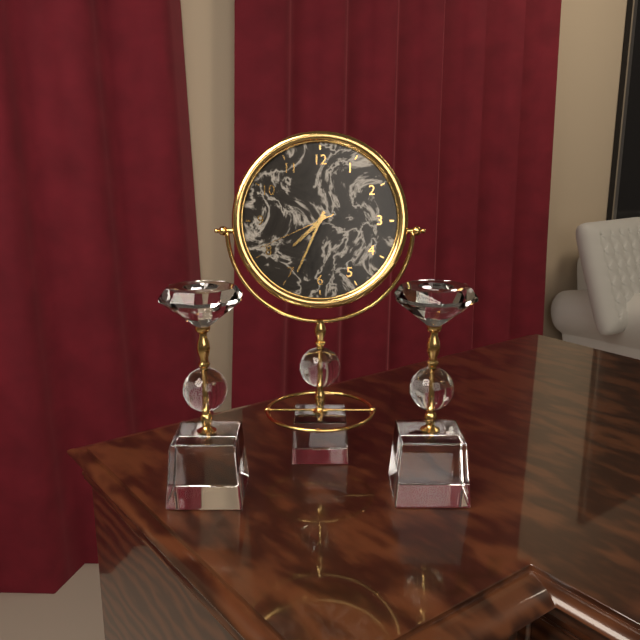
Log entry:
7 h 34 min 41 s
